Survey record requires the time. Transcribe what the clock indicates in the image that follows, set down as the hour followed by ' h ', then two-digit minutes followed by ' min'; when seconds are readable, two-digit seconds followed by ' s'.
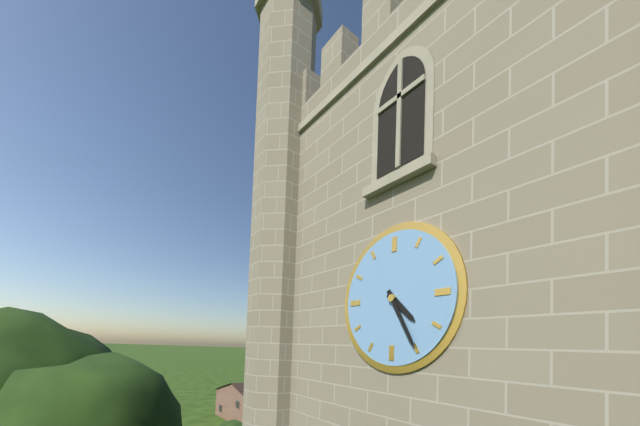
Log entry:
4 h 25 min
